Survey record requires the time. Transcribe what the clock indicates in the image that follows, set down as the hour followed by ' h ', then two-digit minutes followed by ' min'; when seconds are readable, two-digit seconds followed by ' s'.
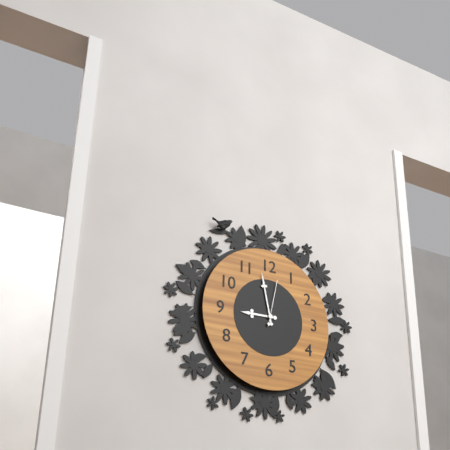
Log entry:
8 h 58 min
